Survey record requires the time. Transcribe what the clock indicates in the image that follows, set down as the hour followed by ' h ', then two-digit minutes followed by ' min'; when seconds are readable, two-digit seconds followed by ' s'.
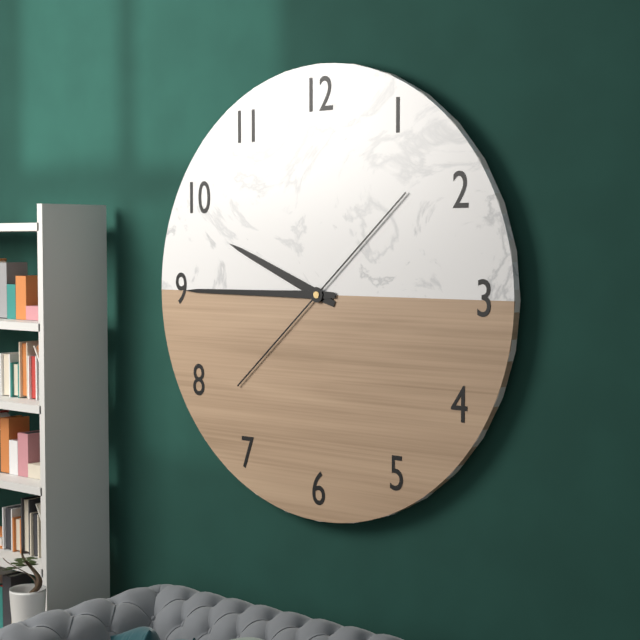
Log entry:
9 h 45 min
